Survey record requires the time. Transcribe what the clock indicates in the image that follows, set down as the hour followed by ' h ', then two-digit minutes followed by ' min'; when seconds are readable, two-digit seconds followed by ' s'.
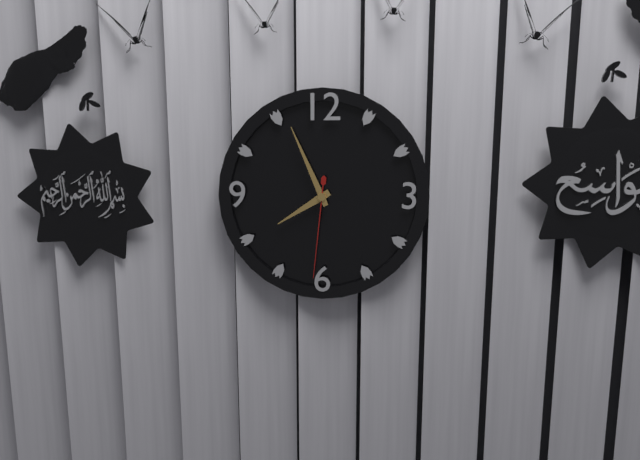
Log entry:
7 h 56 min 31 s
